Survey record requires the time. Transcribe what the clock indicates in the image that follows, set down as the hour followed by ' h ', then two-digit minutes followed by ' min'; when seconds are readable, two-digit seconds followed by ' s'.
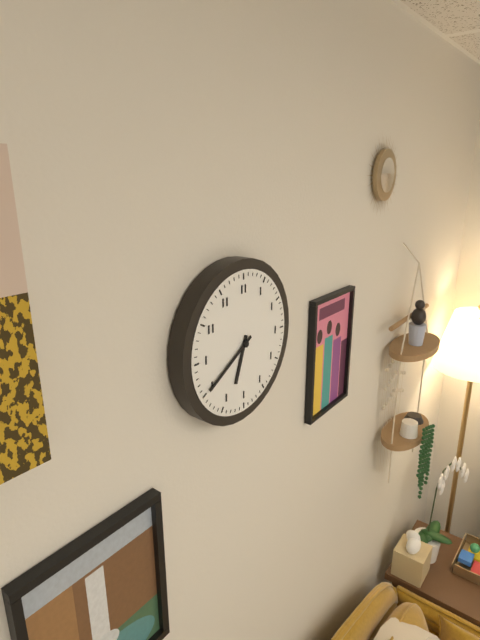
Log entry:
6 h 40 min
